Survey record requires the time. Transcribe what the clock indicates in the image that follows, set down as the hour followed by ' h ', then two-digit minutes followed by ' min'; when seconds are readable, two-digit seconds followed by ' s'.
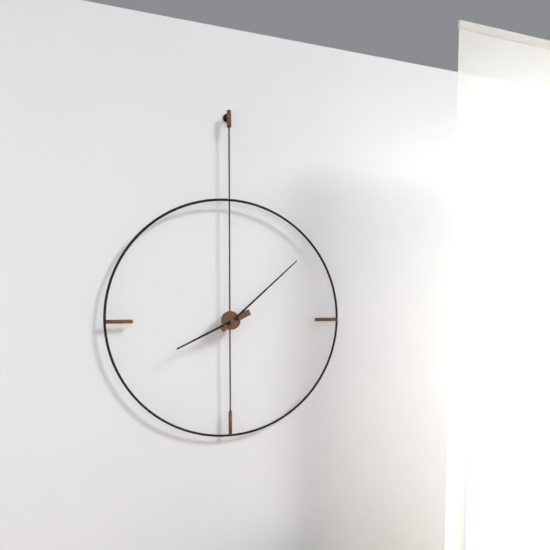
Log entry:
8 h 08 min
